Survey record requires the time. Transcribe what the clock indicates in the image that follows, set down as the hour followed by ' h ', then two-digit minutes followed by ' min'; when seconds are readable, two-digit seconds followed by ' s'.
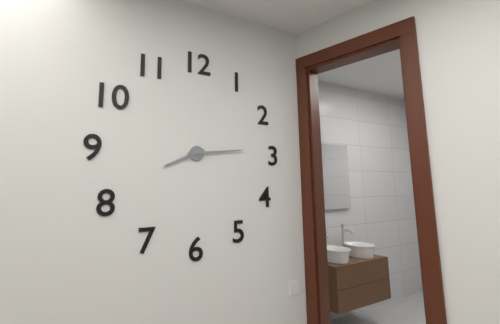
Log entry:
8 h 14 min
